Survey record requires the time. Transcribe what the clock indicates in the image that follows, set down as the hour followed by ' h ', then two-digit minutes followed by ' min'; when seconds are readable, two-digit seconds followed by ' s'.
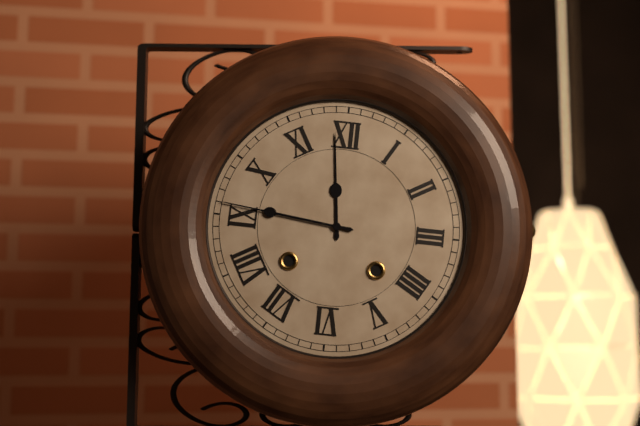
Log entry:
11 h 46 min
